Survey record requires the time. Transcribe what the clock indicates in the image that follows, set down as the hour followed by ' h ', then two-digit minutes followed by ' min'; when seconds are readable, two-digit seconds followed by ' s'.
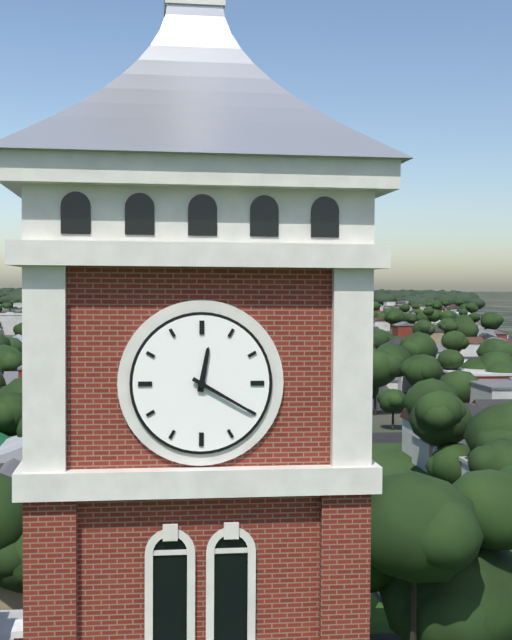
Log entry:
12 h 20 min
